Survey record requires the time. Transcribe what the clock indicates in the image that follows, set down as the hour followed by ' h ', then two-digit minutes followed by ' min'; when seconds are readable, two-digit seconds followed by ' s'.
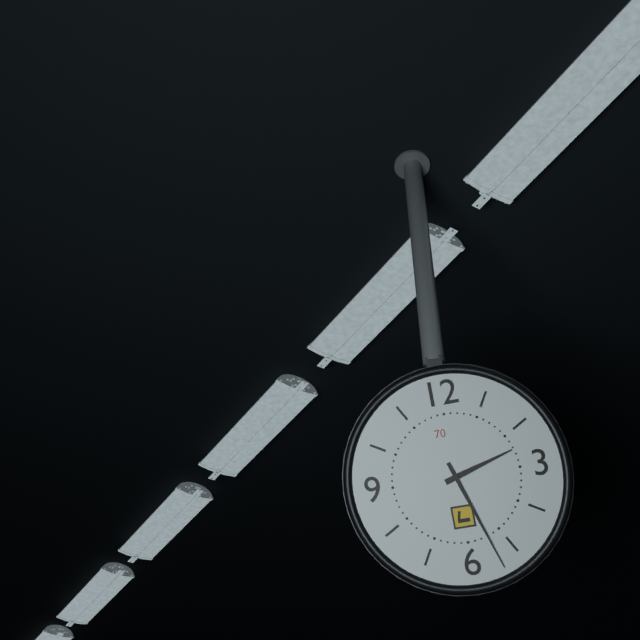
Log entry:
2 h 27 min
